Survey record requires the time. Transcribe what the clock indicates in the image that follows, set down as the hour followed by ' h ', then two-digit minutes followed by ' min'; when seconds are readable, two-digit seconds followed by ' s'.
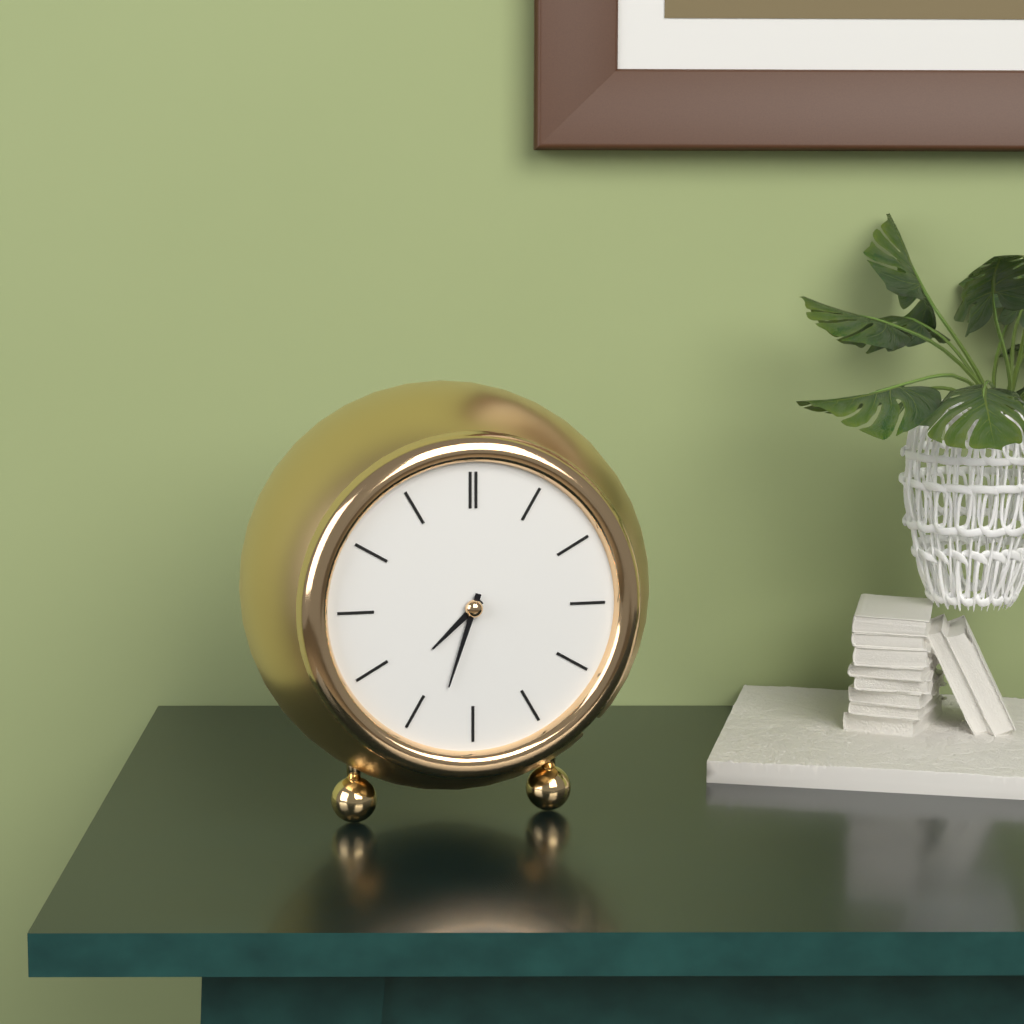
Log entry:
7 h 33 min
